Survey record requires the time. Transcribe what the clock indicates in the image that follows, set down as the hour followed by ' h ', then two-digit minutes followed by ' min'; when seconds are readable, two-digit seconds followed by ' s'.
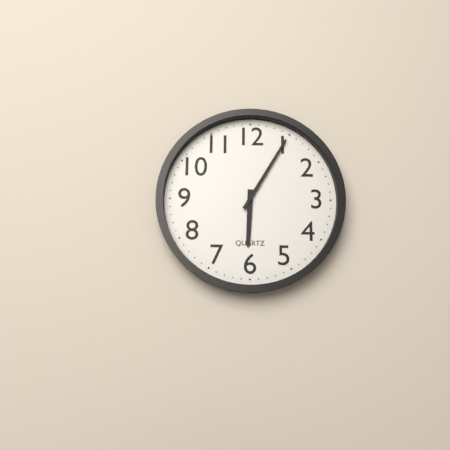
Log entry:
6 h 05 min
